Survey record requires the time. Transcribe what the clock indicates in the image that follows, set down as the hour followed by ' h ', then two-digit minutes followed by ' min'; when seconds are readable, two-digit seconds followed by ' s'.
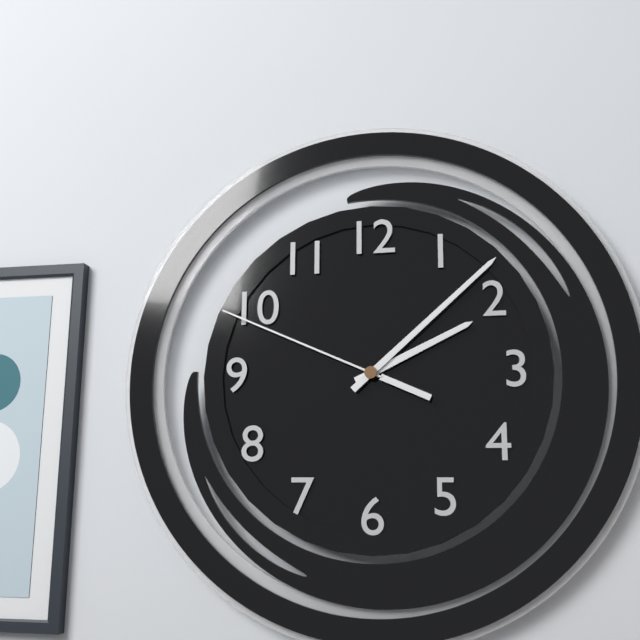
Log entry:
2 h 08 min 49 s
